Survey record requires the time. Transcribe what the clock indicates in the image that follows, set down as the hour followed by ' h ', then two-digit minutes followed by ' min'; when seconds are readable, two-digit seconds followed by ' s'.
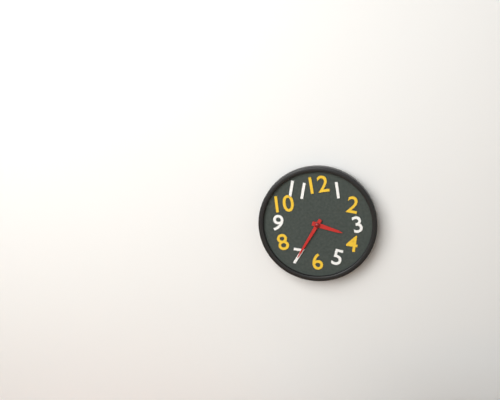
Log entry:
3 h 35 min
